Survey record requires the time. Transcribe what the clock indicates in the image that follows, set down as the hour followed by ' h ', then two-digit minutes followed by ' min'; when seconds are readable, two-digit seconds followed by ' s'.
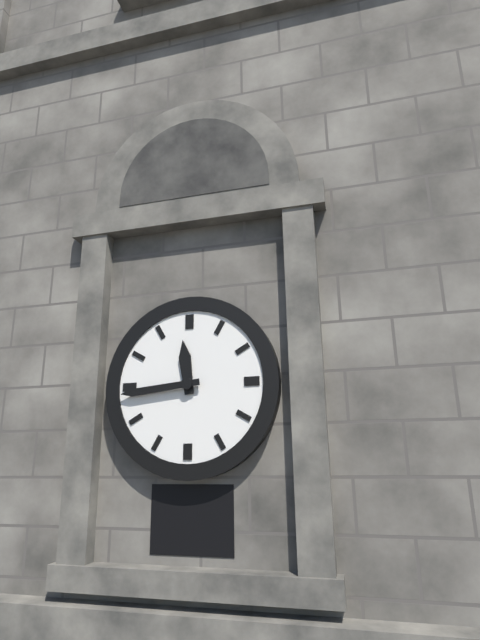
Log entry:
11 h 44 min
